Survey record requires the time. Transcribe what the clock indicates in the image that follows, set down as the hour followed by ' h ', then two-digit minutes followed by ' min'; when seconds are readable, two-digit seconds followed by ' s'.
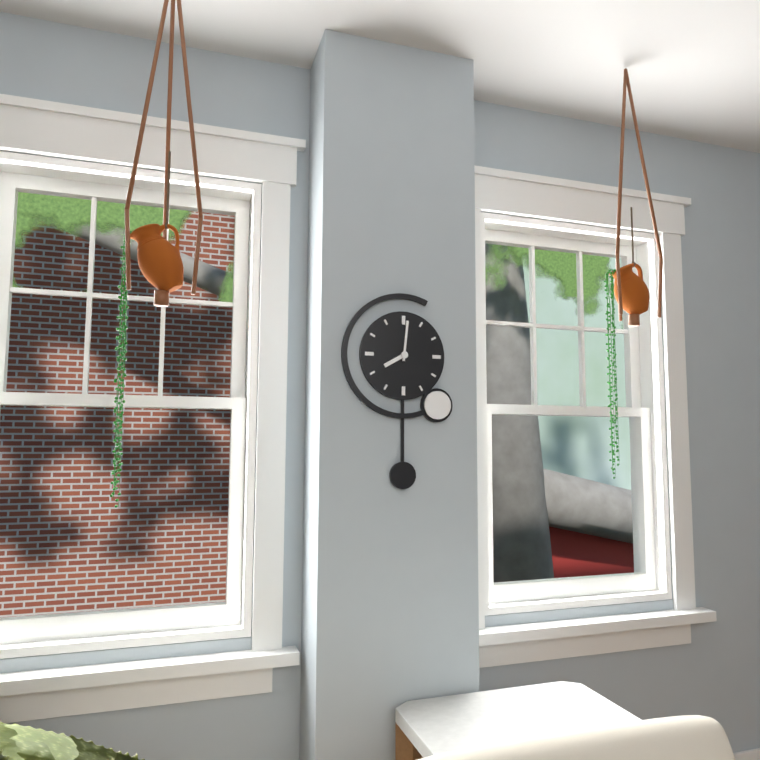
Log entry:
8 h 01 min
